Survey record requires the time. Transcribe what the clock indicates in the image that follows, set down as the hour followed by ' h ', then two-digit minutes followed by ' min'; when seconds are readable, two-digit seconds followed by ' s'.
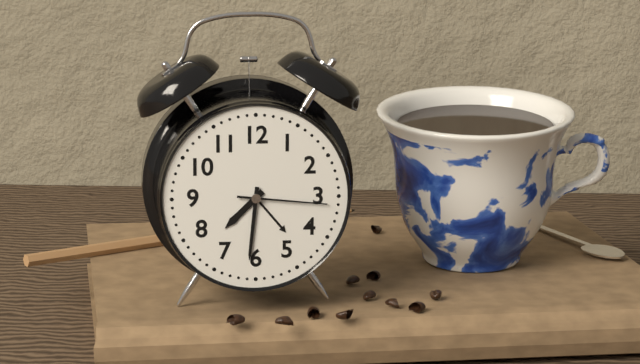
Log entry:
7 h 31 min 16 s
